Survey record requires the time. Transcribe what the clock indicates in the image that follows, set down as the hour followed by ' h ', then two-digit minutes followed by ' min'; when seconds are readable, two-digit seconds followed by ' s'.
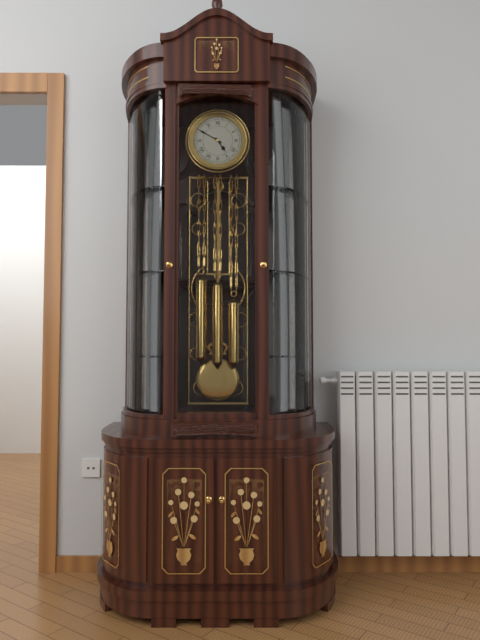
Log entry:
4 h 50 min
